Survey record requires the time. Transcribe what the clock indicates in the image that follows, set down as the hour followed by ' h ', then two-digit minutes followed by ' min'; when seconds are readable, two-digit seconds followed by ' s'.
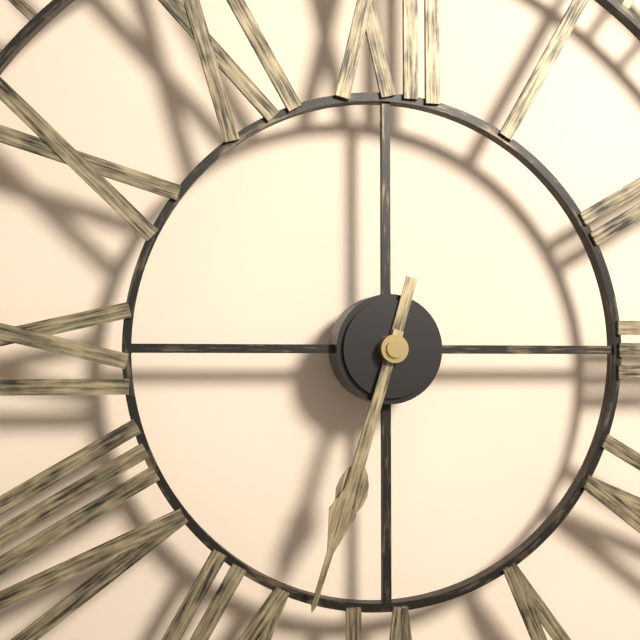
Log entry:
6 h 33 min
